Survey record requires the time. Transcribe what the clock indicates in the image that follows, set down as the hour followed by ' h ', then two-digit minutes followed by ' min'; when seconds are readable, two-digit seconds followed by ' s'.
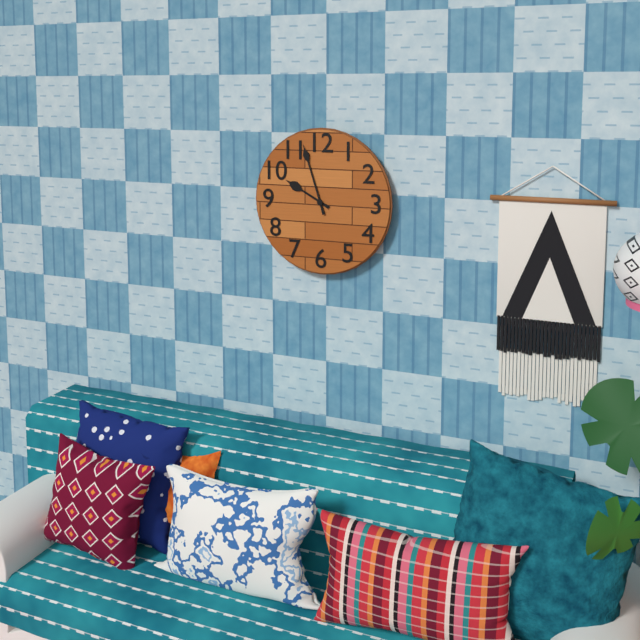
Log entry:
9 h 57 min
